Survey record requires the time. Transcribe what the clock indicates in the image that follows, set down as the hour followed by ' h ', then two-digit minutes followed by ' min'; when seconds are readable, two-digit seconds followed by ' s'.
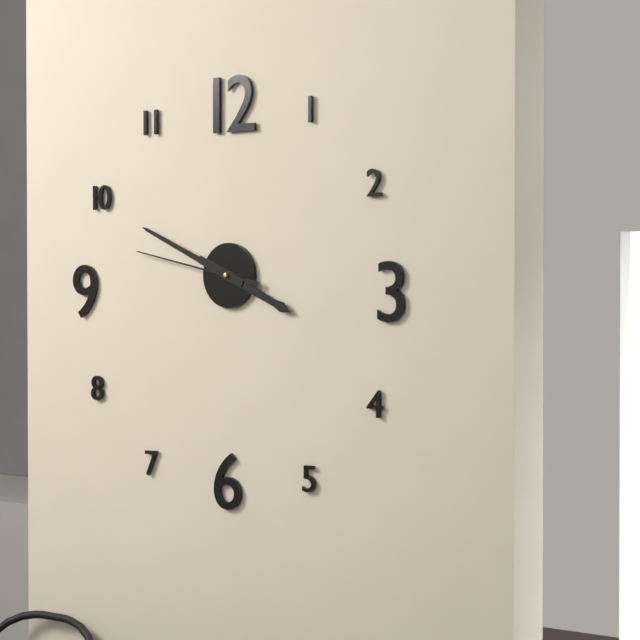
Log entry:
3 h 49 min 47 s
